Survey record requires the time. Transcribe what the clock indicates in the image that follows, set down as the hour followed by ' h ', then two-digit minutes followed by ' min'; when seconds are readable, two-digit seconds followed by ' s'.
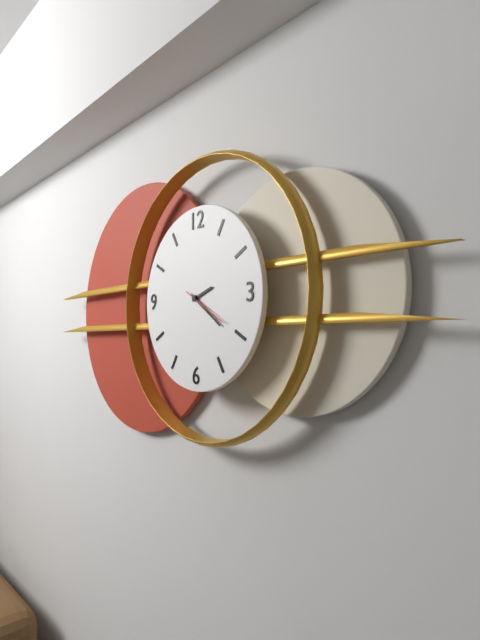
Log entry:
2 h 21 min
